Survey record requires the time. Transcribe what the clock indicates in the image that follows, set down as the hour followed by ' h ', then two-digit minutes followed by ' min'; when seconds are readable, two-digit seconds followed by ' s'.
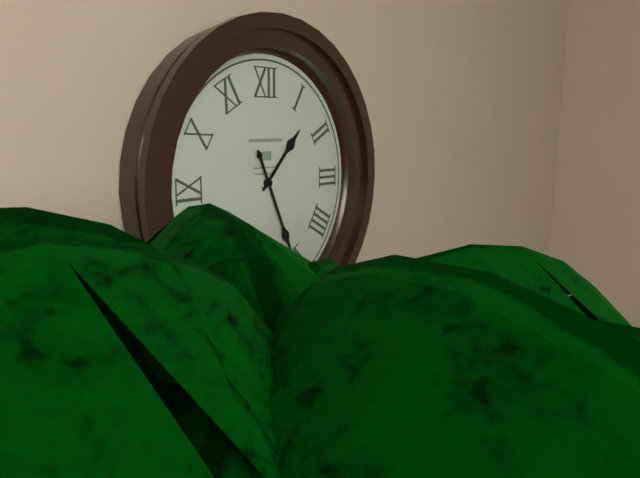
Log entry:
1 h 26 min
